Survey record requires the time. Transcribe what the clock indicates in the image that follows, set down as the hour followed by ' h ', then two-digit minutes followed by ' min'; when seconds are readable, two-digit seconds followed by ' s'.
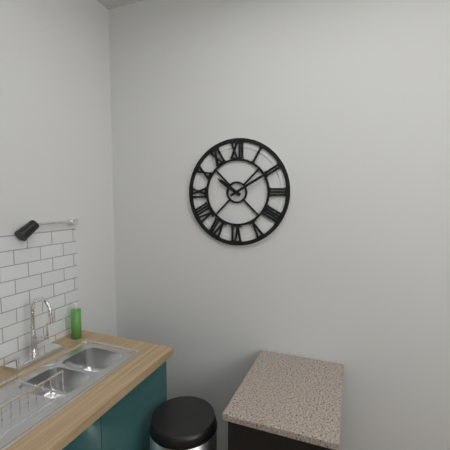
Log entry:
10 h 10 min
